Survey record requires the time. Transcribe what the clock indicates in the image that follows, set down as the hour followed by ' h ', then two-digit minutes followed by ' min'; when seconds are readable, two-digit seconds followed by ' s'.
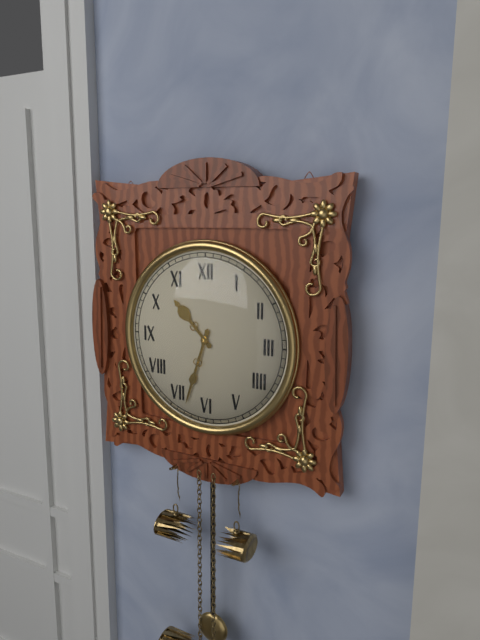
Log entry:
10 h 33 min
